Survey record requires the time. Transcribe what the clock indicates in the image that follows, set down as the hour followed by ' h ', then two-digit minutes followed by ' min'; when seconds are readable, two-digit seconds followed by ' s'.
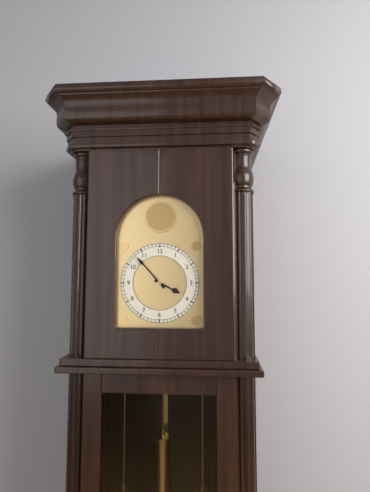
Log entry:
3 h 53 min
